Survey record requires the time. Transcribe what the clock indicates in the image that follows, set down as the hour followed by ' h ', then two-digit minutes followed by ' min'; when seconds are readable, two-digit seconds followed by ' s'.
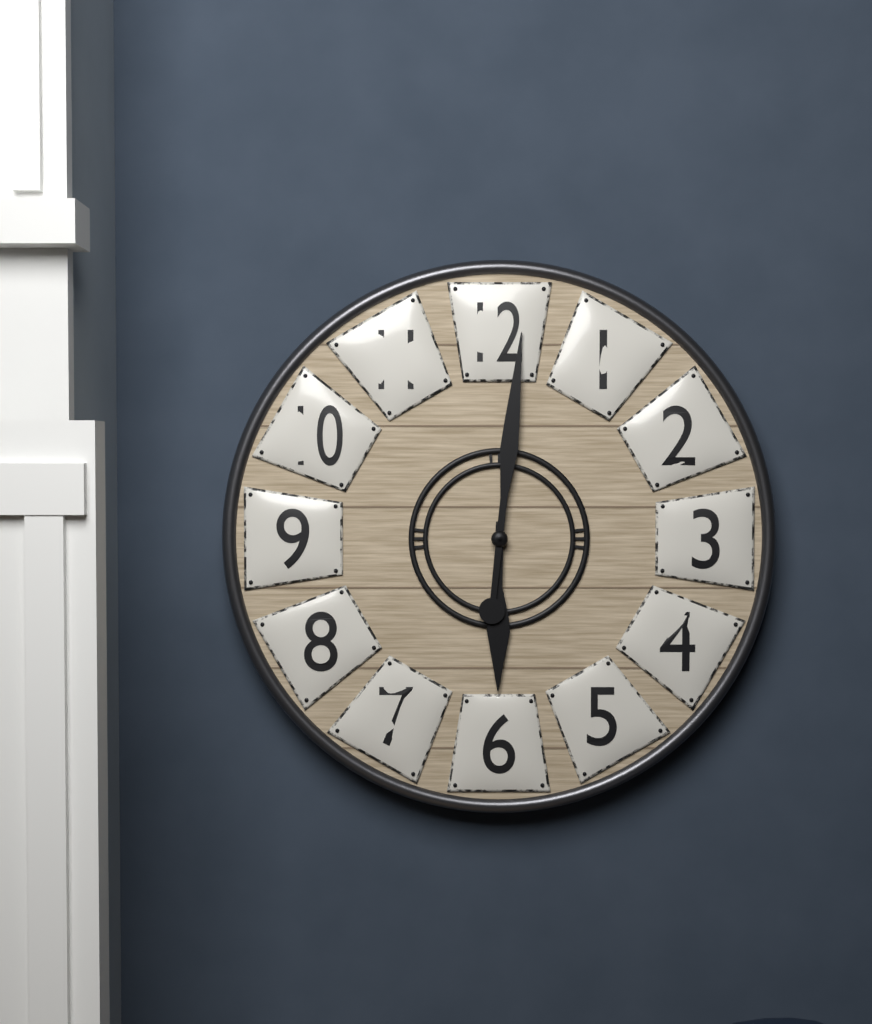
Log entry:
6 h 01 min
